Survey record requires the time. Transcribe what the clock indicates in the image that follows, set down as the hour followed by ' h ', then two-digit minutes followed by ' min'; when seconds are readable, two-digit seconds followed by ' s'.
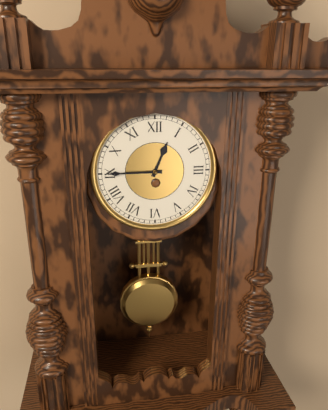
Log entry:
12 h 45 min
